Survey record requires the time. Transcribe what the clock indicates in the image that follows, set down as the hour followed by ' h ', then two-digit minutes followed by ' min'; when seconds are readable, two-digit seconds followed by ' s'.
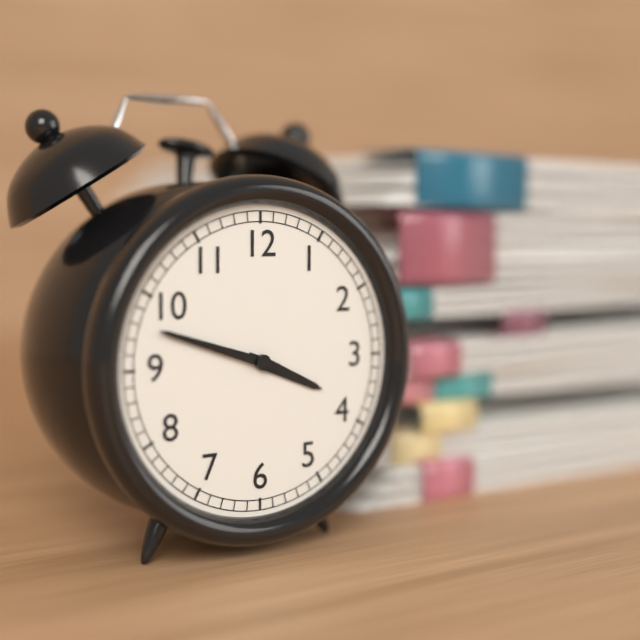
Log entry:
3 h 48 min
